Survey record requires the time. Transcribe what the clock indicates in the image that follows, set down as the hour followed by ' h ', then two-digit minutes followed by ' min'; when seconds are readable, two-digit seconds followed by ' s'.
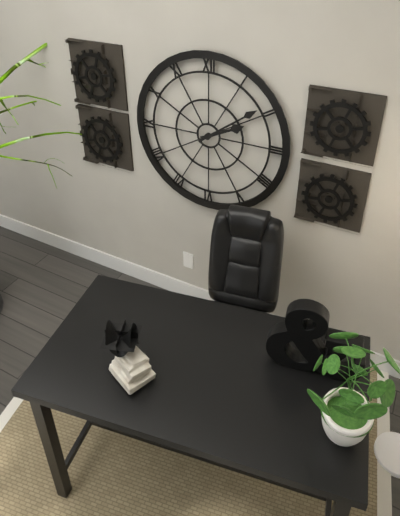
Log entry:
2 h 09 min
